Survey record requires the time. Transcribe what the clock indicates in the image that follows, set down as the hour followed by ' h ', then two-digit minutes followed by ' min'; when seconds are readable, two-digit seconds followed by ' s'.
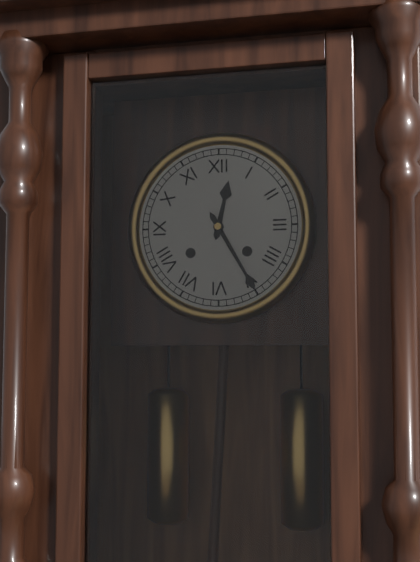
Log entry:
12 h 25 min
